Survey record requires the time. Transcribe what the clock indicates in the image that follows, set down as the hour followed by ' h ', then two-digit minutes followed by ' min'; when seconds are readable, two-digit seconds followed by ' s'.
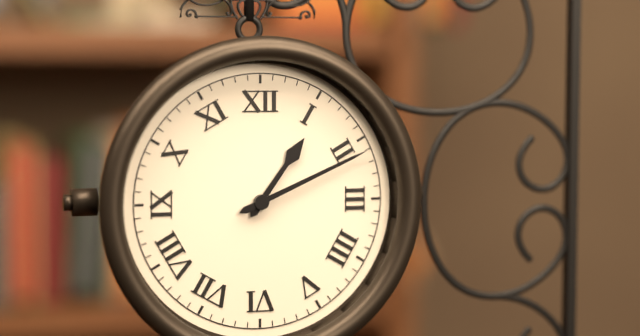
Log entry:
1 h 11 min
